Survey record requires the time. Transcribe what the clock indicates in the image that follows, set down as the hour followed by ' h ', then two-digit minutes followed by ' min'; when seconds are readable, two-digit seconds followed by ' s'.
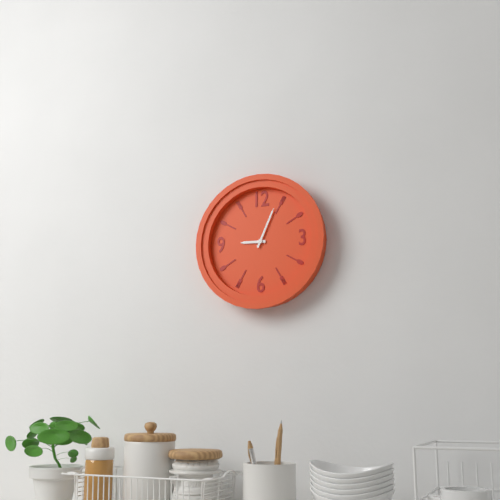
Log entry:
9 h 04 min
